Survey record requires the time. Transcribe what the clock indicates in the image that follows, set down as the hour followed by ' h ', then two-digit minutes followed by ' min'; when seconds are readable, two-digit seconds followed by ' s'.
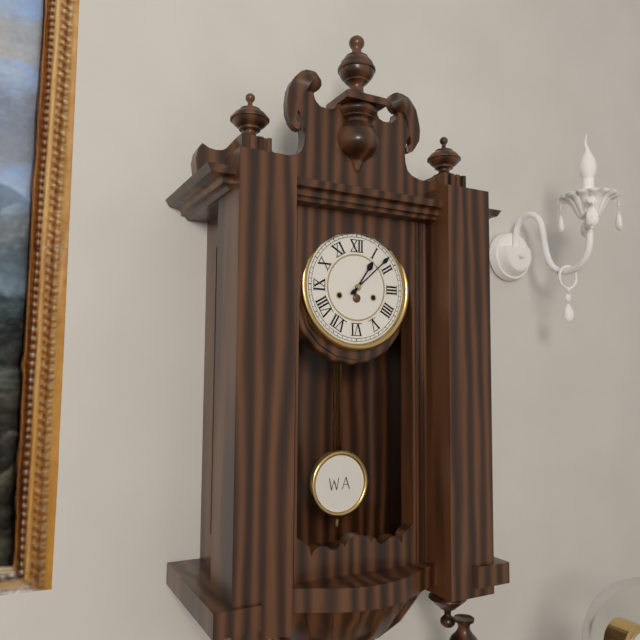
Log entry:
1 h 08 min
